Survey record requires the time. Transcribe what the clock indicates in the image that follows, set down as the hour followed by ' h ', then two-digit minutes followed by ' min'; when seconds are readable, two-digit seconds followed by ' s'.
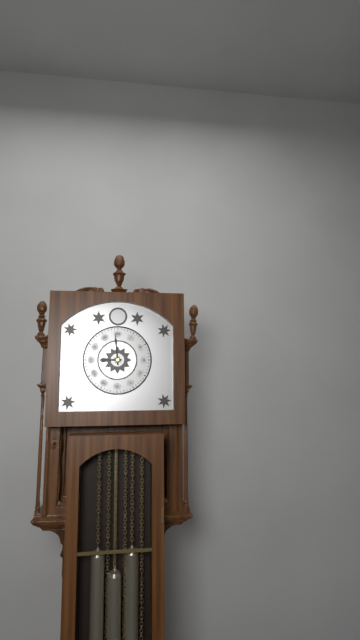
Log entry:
8 h 59 min
